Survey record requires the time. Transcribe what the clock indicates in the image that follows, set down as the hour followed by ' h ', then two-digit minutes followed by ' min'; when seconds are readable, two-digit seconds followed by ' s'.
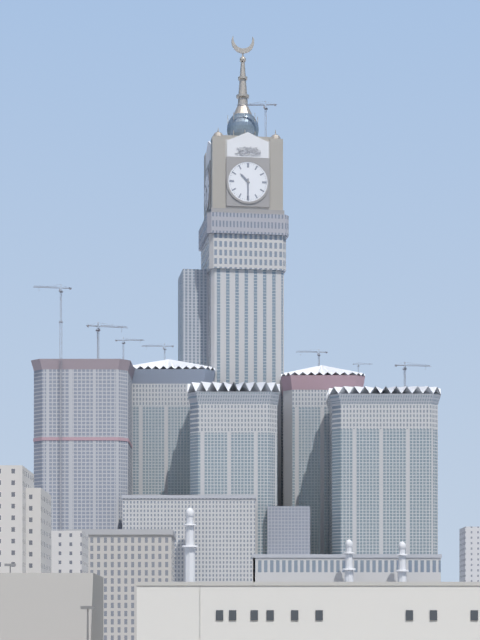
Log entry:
10 h 30 min
